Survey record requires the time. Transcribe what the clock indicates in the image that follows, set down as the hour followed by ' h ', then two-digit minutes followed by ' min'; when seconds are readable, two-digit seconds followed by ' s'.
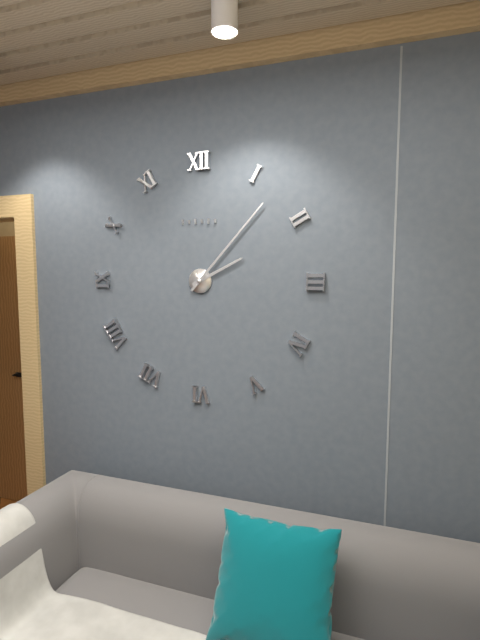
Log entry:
2 h 07 min
